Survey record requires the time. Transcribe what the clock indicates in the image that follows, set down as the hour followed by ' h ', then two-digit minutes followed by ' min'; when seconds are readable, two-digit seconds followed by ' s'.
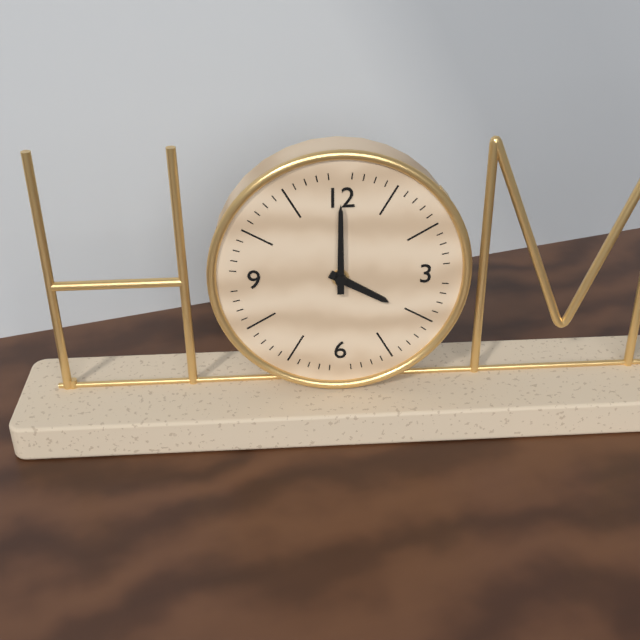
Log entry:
4 h 00 min
